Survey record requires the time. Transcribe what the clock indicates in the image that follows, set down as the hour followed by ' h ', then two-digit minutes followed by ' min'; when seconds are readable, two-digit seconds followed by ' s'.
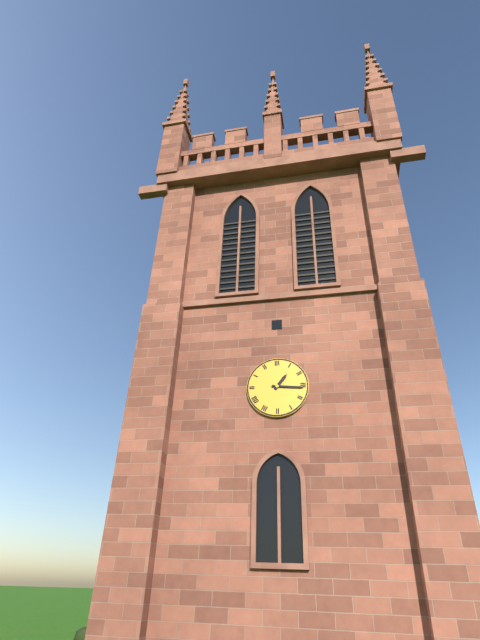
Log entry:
1 h 16 min
